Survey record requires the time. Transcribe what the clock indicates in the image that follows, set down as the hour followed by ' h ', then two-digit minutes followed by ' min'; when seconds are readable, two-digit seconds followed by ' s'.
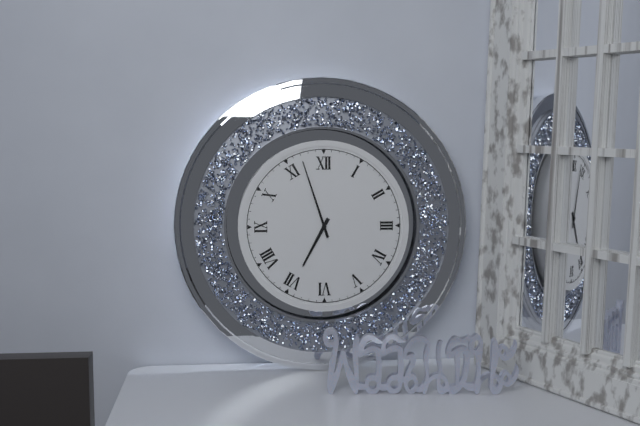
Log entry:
6 h 57 min
